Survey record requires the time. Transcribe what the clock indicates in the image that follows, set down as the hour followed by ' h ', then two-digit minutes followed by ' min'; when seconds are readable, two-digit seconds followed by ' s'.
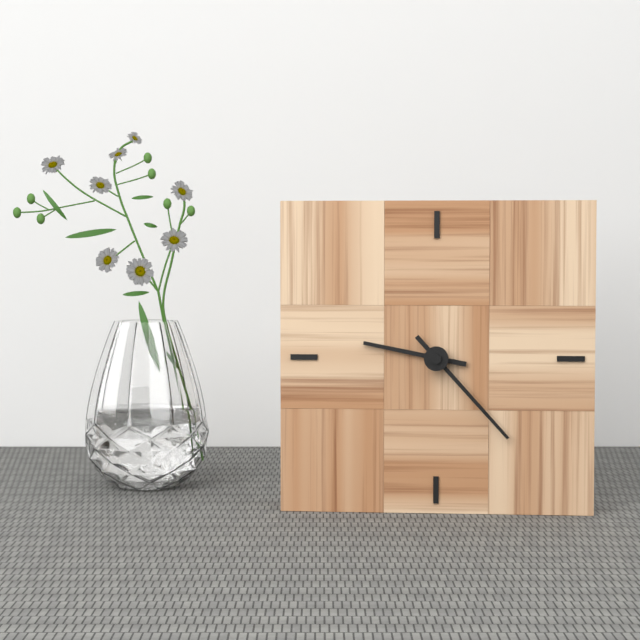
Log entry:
9 h 23 min
